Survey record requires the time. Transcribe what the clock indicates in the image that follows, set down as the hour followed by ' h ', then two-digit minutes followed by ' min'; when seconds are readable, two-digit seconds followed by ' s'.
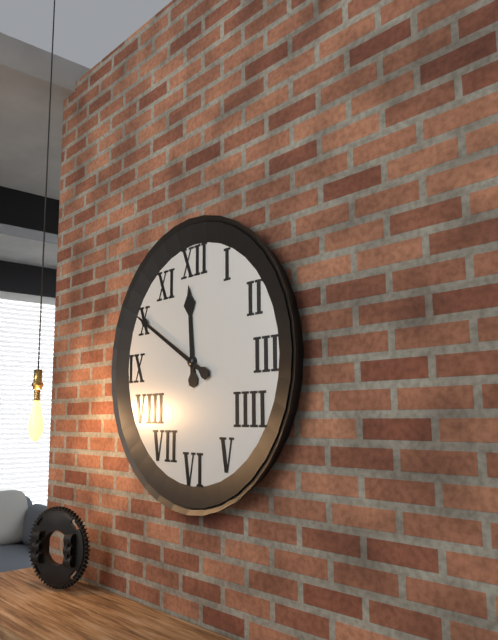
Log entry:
11 h 50 min
